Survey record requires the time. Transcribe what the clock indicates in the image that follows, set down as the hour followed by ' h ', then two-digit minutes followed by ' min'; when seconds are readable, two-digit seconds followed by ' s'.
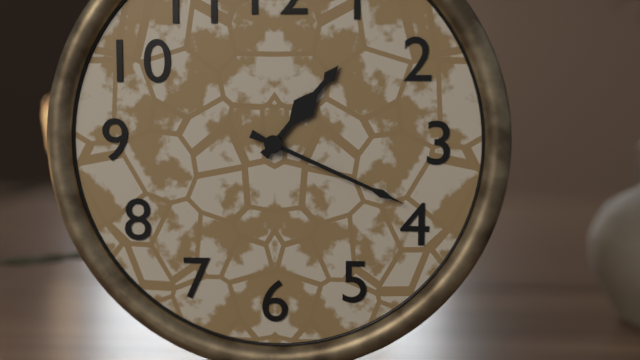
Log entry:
1 h 19 min
